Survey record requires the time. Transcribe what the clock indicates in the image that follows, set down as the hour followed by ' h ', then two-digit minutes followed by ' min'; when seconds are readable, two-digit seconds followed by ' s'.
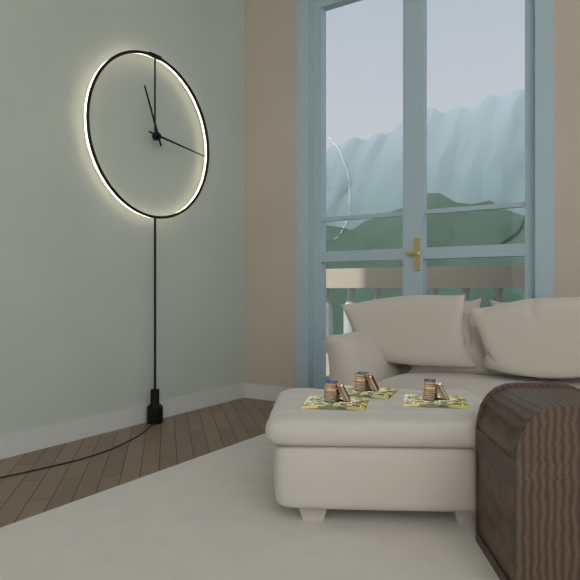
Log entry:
11 h 16 min
